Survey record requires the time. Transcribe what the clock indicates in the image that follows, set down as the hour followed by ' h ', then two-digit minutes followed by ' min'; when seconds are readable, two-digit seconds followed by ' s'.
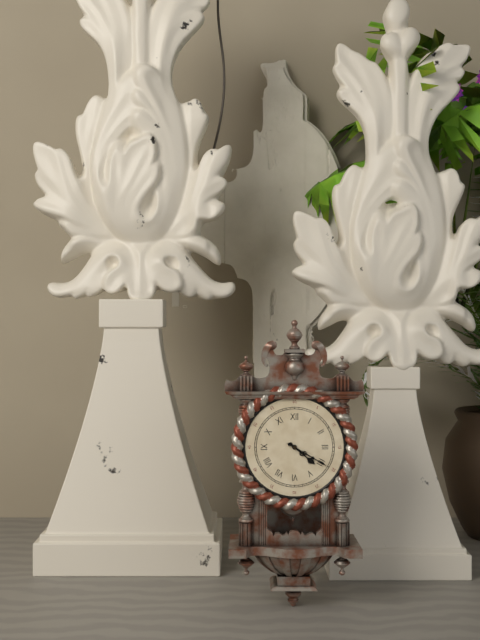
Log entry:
4 h 20 min
